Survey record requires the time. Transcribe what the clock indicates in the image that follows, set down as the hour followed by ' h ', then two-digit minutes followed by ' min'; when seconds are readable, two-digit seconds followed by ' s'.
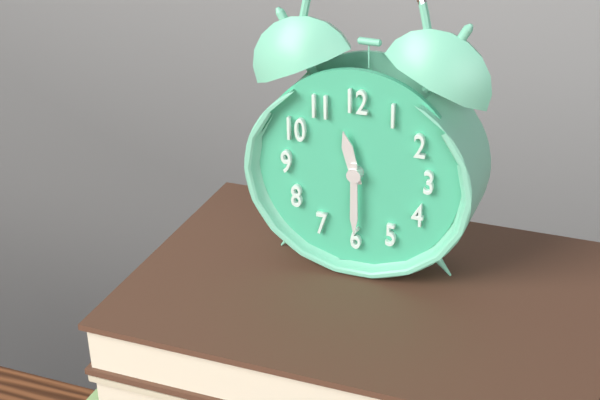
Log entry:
11 h 30 min
